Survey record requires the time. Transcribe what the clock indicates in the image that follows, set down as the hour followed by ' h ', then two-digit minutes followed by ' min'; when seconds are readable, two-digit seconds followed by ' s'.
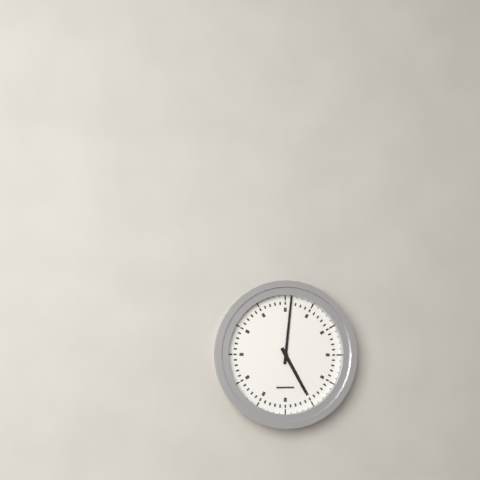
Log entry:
5 h 01 min
